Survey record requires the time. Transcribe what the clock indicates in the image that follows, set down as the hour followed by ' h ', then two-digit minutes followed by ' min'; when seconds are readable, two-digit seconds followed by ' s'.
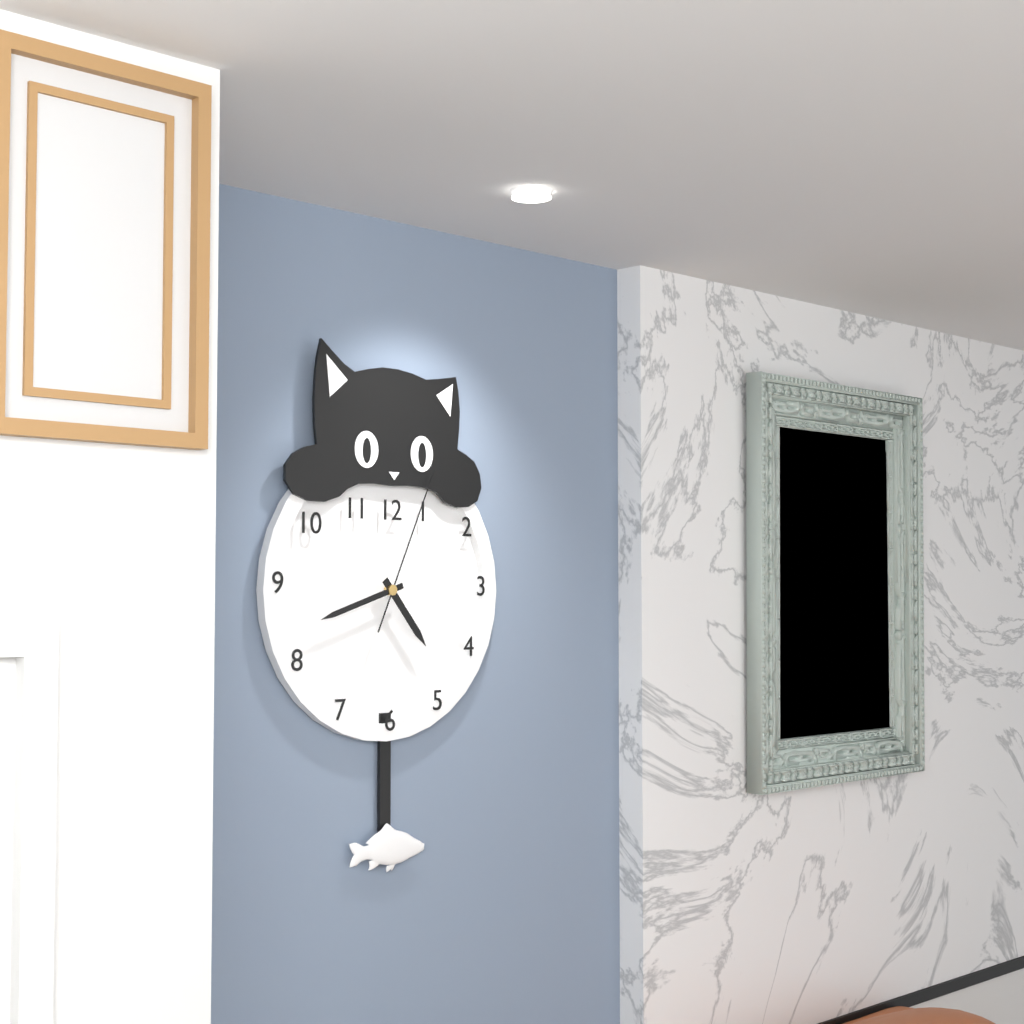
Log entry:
4 h 42 min 04 s
